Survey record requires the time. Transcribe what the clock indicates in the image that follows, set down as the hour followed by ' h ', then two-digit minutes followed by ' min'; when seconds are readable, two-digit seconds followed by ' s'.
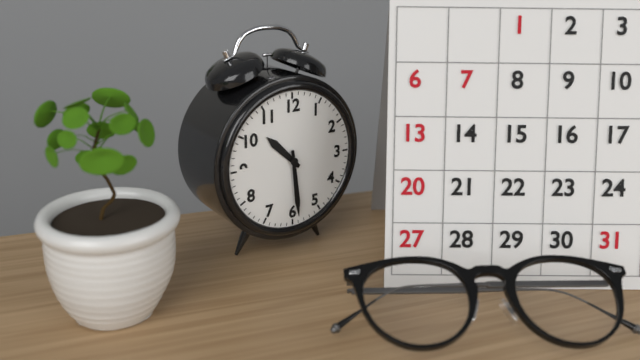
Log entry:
10 h 29 min
